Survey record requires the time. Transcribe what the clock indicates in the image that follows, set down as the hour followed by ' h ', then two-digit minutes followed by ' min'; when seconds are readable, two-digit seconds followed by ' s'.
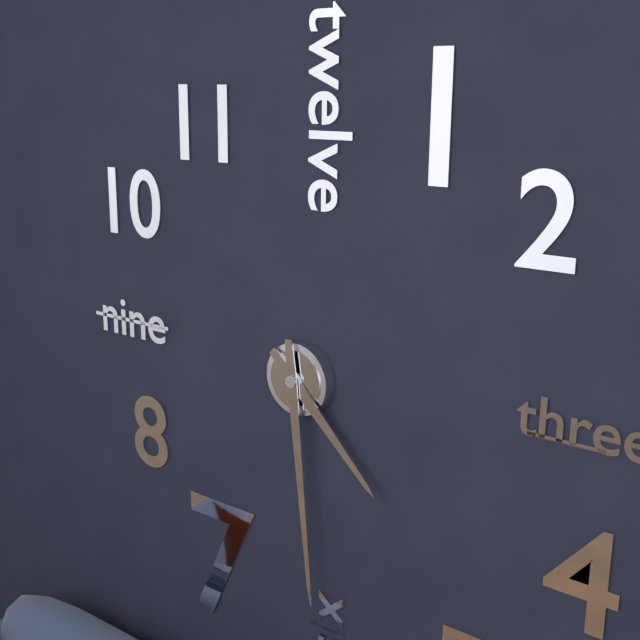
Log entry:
4 h 29 min
